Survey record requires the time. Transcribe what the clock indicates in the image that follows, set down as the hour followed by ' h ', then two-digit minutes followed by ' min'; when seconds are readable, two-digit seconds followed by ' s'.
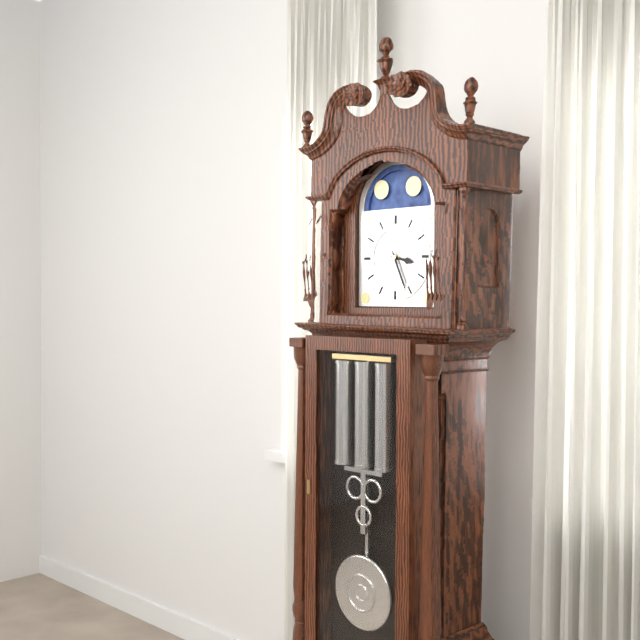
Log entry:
3 h 26 min
